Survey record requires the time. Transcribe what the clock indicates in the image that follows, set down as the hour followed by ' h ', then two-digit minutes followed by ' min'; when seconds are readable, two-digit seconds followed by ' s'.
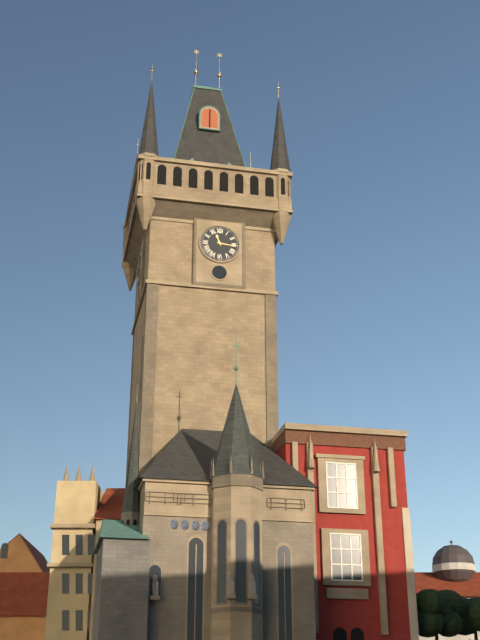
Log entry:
11 h 16 min
